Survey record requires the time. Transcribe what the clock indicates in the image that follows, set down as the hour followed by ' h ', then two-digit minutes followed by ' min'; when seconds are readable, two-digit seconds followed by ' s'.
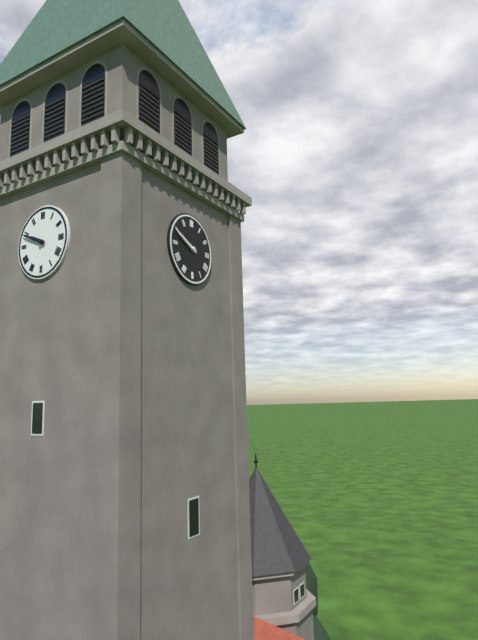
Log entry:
9 h 49 min
